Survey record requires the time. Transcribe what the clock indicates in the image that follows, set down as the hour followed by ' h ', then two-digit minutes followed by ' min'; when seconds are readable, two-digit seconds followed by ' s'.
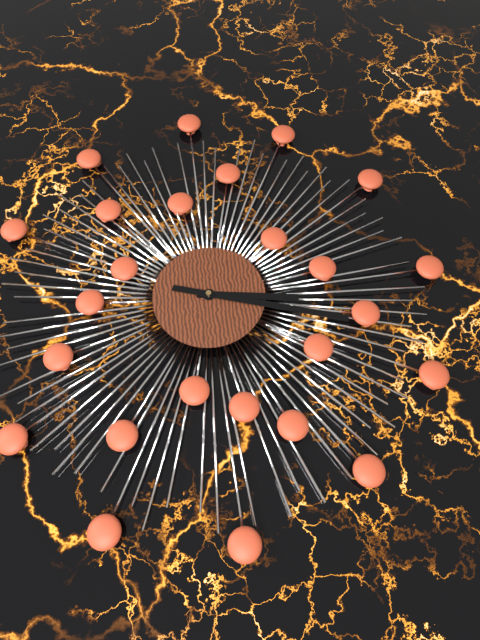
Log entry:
3 h 18 min
